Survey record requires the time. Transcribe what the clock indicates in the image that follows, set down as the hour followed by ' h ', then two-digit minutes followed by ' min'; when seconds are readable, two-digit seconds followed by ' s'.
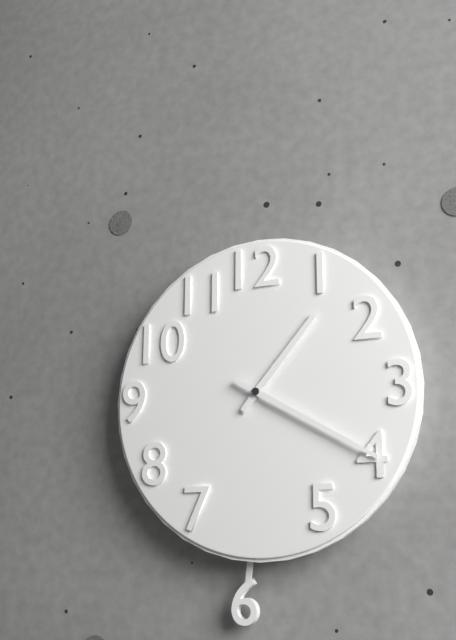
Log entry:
1 h 20 min
